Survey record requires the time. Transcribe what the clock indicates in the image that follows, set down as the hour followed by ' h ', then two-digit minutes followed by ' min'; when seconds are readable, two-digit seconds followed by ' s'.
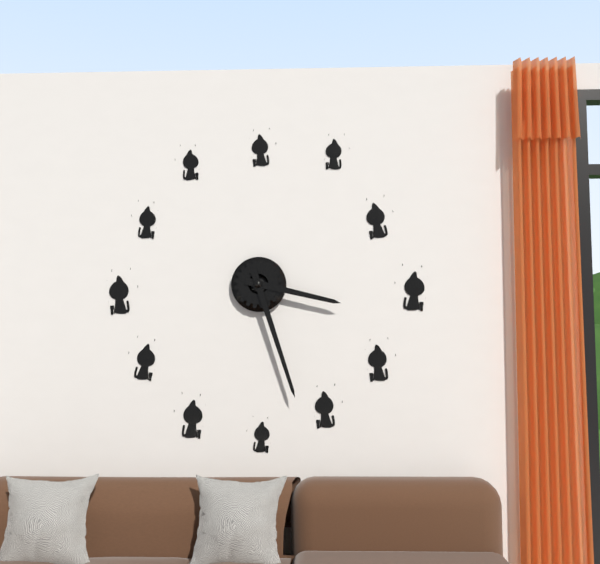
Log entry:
3 h 27 min
